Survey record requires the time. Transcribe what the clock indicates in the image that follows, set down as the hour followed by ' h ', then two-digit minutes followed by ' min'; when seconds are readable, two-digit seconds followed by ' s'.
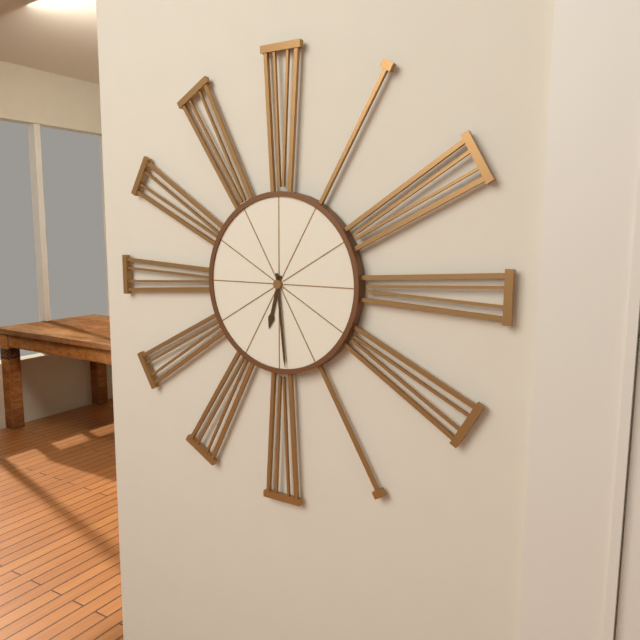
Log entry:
6 h 29 min
